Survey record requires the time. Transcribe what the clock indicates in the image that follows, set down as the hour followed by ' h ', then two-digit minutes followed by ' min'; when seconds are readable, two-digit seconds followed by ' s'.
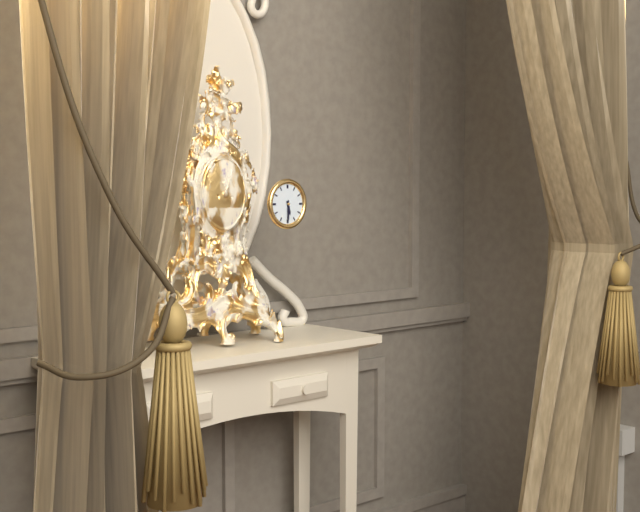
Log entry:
5 h 30 min
